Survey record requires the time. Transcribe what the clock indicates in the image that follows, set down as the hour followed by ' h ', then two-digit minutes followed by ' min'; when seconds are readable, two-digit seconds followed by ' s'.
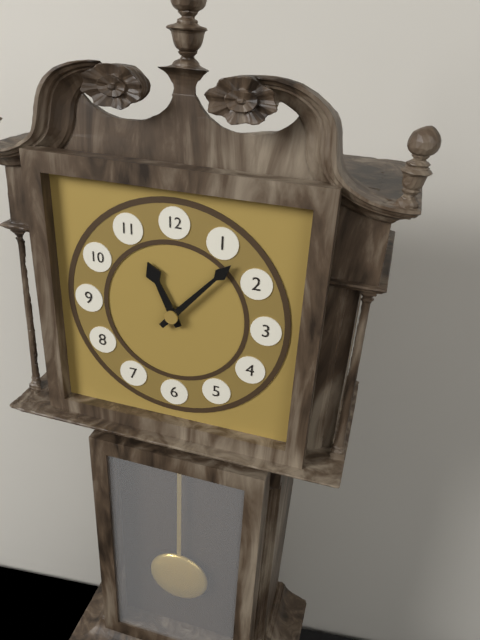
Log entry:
11 h 07 min
